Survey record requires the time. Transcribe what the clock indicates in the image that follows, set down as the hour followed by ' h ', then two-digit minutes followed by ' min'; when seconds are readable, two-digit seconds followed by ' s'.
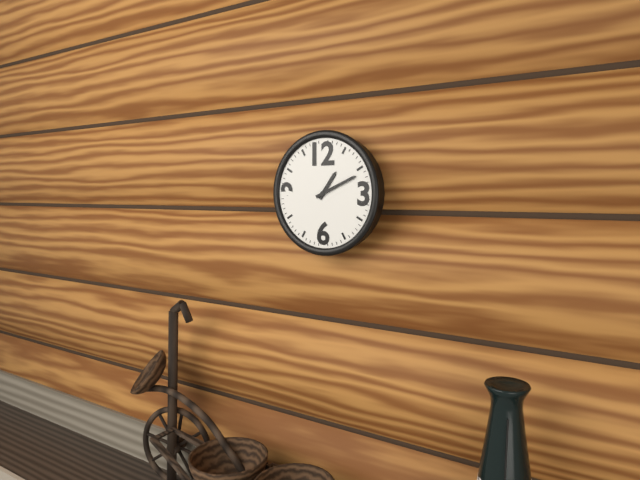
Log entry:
1 h 11 min
